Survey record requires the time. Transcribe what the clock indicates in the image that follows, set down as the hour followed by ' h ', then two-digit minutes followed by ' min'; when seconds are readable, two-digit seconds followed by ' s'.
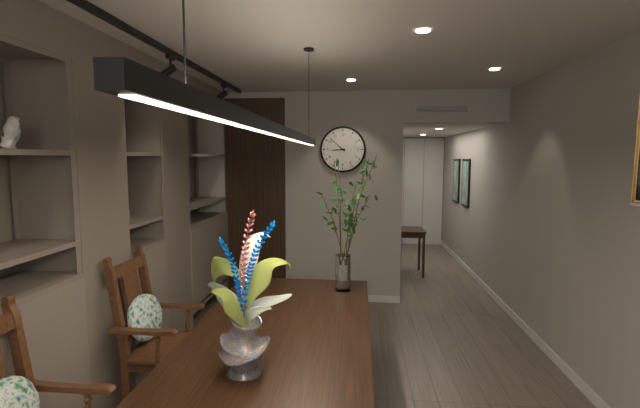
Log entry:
8 h 52 min
